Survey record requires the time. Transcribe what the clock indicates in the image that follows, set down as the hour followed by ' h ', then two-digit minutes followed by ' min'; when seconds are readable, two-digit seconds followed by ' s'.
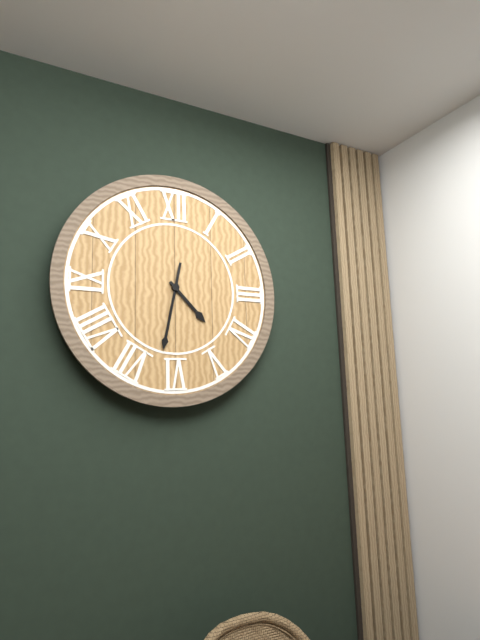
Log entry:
4 h 32 min
